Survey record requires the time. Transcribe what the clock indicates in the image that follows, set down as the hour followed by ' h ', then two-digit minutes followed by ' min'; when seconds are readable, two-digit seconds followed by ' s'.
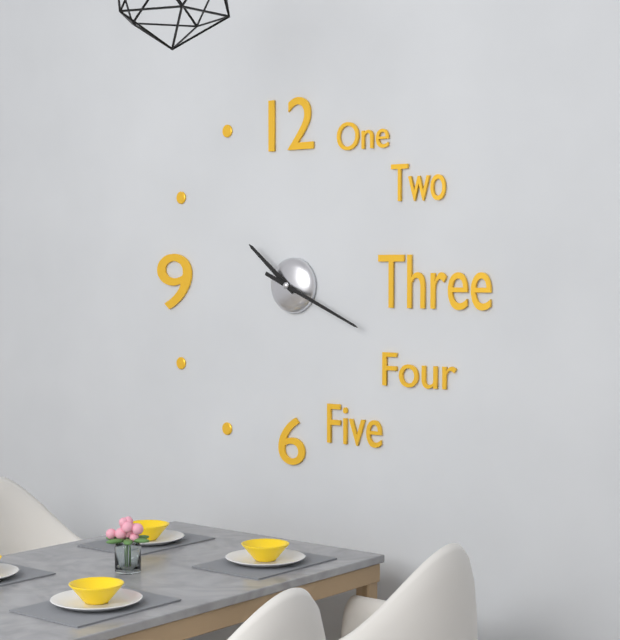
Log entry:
10 h 19 min
